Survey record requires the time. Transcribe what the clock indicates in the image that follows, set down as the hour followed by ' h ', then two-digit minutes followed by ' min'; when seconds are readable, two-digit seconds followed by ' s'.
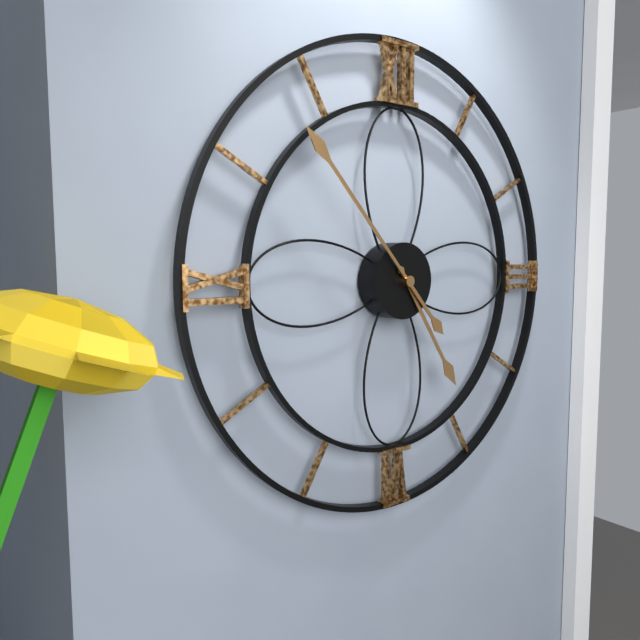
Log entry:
4 h 53 min
